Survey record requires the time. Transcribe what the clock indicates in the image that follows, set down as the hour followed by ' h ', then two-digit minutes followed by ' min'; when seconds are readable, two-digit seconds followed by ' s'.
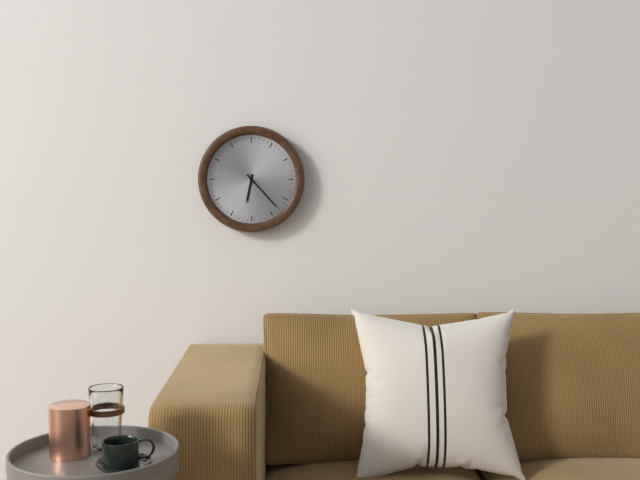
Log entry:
6 h 23 min
